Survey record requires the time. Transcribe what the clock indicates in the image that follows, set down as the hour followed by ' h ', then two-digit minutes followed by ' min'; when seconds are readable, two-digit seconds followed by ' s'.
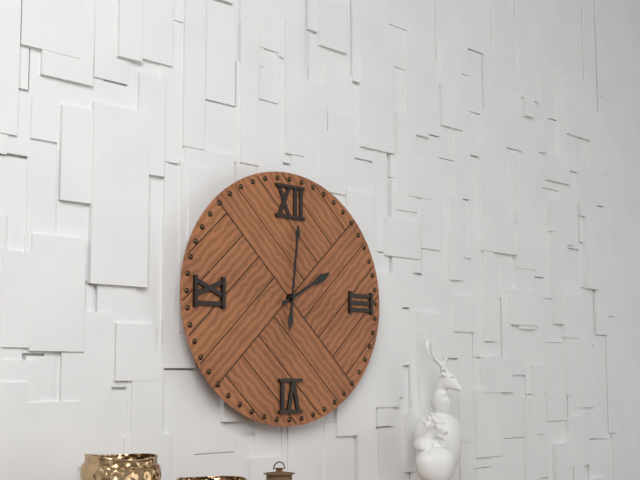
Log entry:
2 h 01 min
